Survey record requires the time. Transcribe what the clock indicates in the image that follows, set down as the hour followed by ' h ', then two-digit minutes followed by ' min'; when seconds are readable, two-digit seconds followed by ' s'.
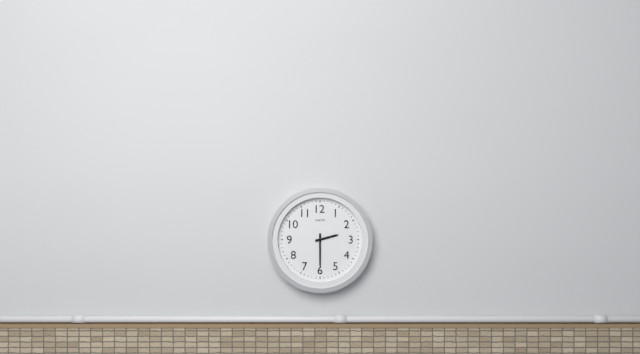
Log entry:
2 h 30 min
